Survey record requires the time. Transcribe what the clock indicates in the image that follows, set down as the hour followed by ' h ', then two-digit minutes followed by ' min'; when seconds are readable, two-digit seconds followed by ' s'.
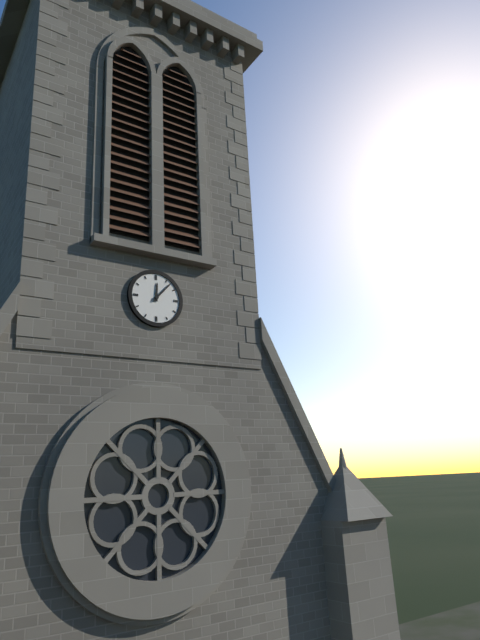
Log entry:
12 h 07 min
